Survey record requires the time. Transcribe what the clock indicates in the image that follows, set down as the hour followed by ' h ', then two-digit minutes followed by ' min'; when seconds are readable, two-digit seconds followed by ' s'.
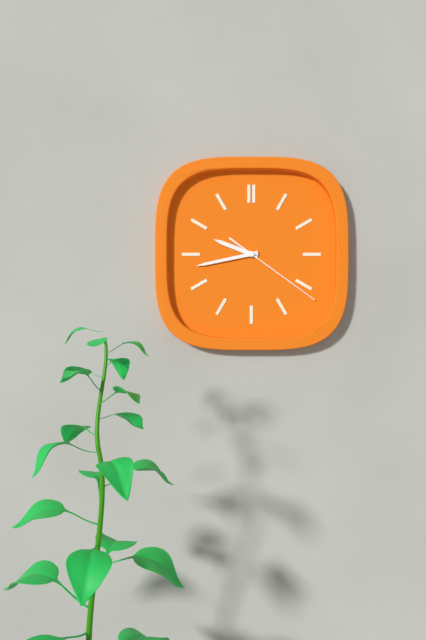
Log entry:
9 h 43 min 21 s
